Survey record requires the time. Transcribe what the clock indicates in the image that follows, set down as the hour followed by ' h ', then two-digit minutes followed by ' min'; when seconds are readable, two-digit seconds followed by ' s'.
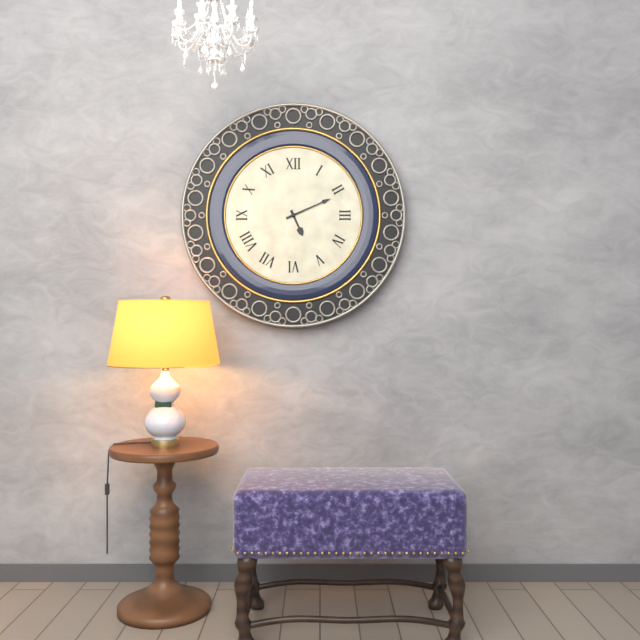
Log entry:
5 h 11 min
